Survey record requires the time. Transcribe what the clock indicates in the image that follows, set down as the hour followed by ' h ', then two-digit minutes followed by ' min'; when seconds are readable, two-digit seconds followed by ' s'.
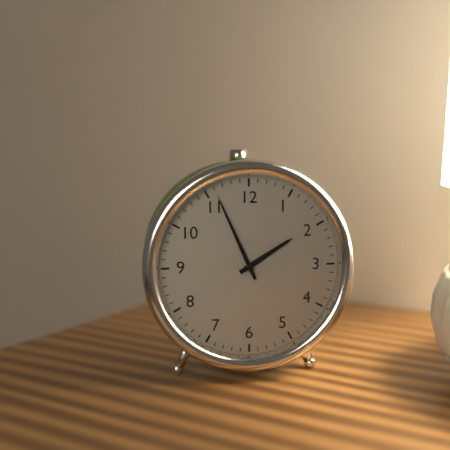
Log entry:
1 h 56 min
